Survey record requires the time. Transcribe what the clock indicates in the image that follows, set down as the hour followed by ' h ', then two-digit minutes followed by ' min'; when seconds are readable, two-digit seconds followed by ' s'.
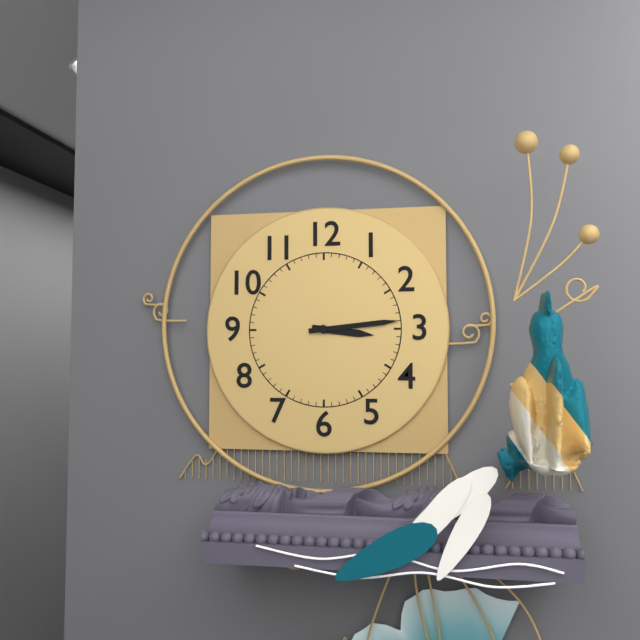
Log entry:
3 h 14 min
